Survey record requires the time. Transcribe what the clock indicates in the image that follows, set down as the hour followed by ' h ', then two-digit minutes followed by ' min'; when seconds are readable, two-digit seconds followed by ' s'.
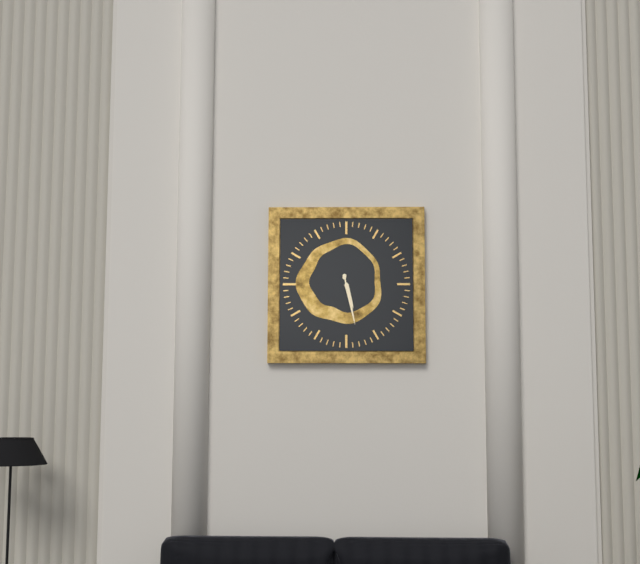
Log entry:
5 h 28 min
